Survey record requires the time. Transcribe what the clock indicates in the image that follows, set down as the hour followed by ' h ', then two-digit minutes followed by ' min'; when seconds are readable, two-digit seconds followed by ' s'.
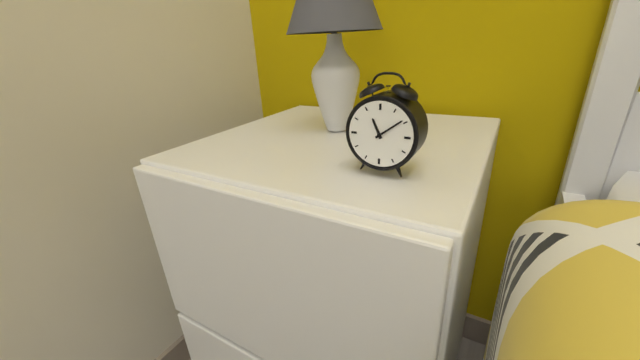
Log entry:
11 h 09 min
